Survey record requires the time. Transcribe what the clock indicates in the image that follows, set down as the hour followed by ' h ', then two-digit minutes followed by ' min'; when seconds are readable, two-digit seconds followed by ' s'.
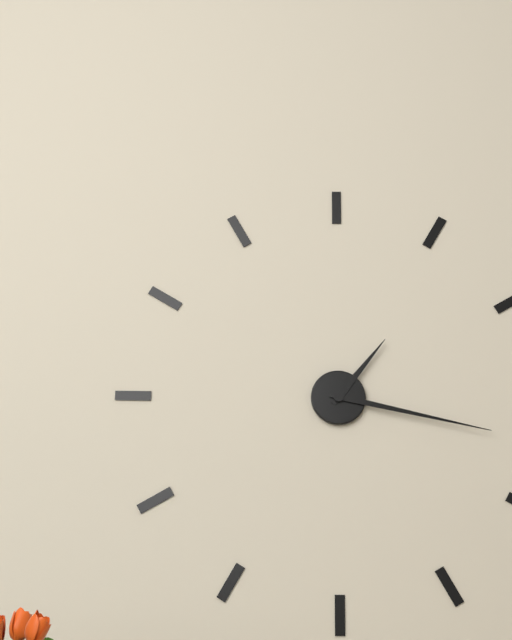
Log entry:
1 h 17 min
